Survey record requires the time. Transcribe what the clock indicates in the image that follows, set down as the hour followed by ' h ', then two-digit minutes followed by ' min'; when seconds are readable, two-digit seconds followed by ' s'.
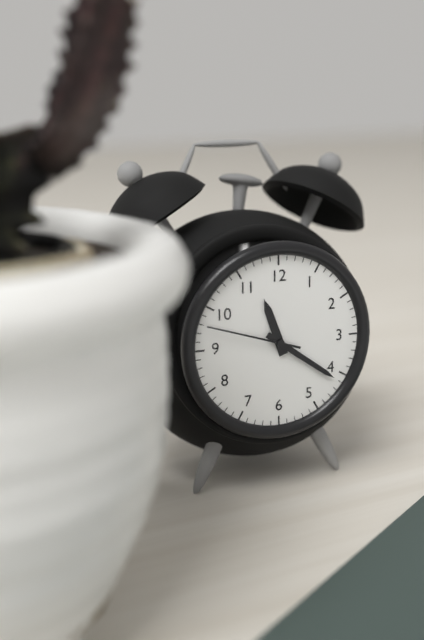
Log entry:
11 h 21 min 48 s
